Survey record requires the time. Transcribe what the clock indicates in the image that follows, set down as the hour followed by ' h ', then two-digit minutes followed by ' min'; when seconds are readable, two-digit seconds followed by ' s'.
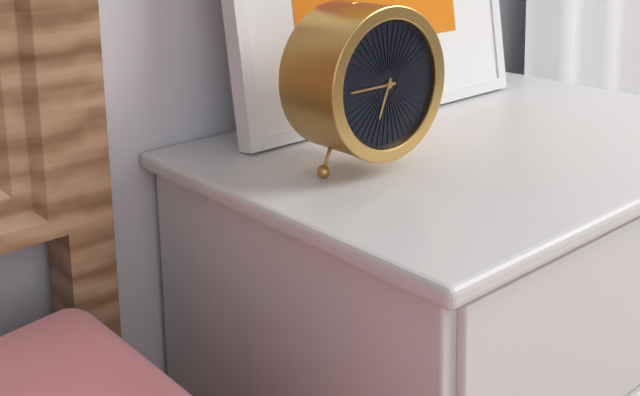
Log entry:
6 h 45 min
